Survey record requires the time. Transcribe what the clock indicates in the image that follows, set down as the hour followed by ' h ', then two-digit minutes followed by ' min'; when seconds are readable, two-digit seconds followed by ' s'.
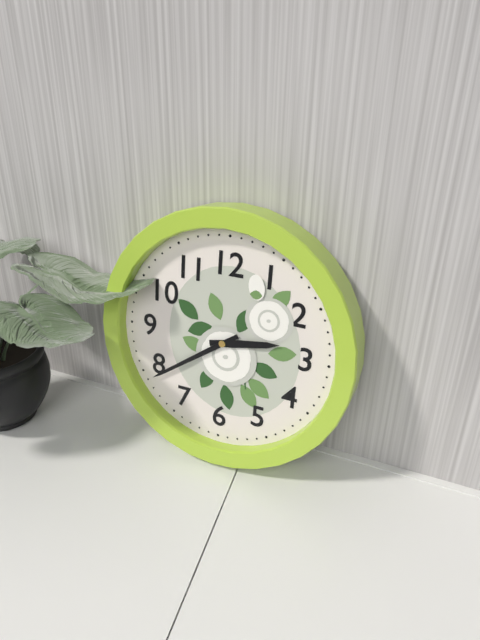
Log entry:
2 h 39 min
